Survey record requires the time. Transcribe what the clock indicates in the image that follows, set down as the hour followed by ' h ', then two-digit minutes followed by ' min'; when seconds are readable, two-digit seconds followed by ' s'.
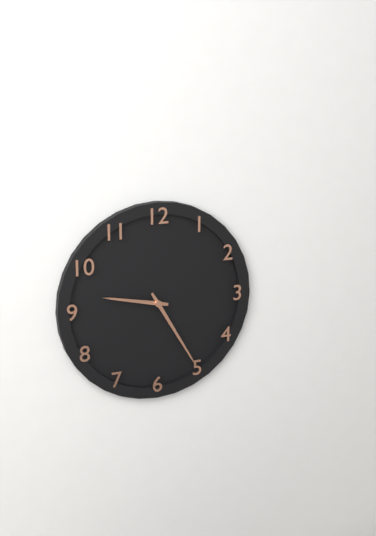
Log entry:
9 h 25 min
